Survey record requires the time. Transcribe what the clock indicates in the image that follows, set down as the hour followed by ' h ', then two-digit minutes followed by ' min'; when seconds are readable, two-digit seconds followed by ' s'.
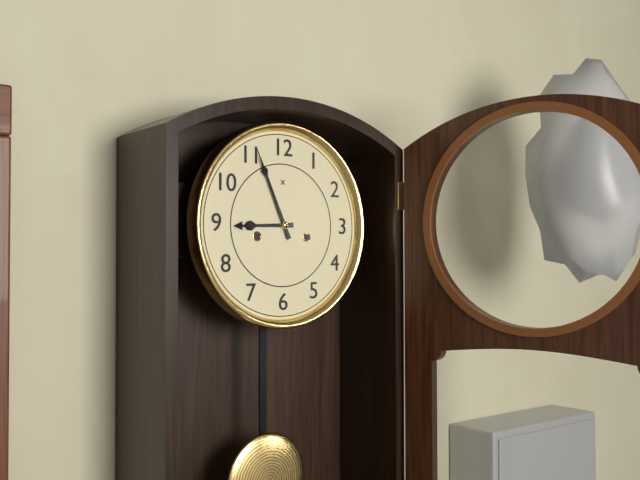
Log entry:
8 h 56 min
